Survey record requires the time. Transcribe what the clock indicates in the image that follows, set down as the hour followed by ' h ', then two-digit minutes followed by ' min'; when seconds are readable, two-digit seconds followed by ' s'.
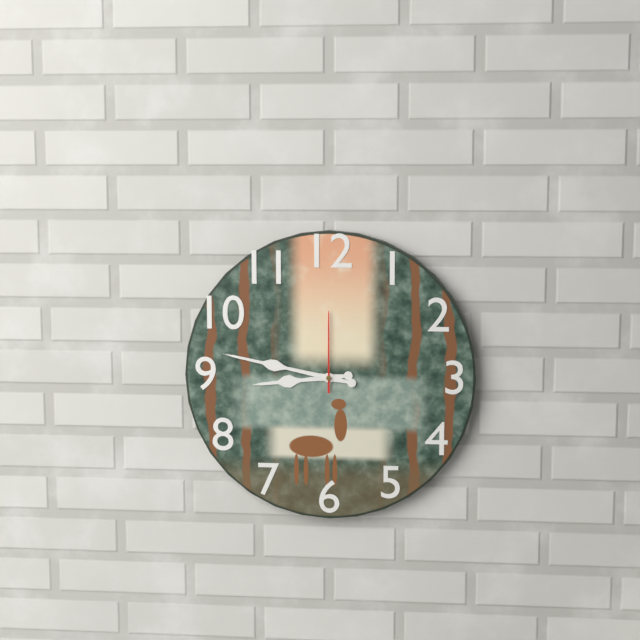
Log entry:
8 h 47 min 00 s
